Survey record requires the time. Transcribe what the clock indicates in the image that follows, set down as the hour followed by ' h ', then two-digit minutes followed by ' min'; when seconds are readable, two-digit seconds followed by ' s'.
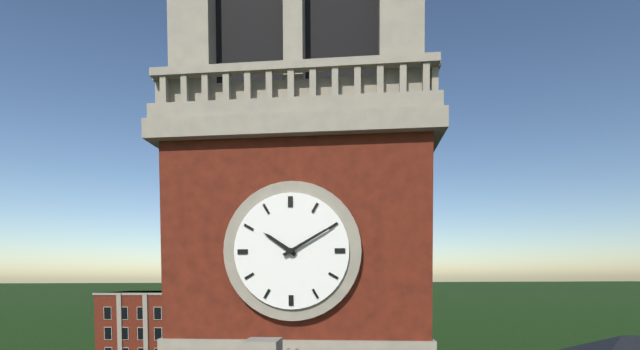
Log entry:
10 h 10 min
